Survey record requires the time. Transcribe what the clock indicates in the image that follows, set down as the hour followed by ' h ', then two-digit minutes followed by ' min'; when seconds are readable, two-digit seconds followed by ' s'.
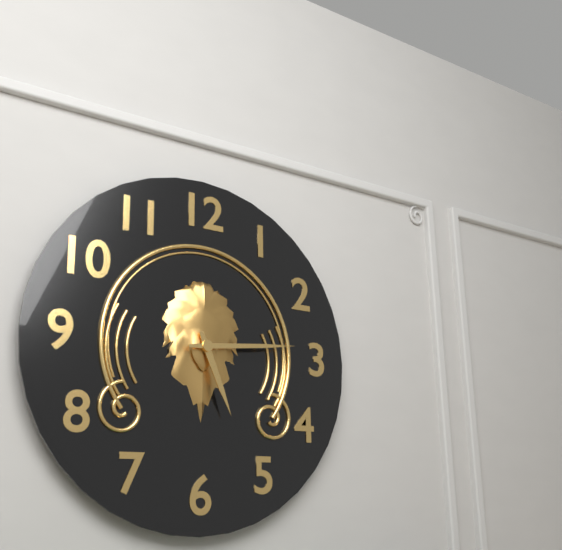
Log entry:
5 h 14 min
